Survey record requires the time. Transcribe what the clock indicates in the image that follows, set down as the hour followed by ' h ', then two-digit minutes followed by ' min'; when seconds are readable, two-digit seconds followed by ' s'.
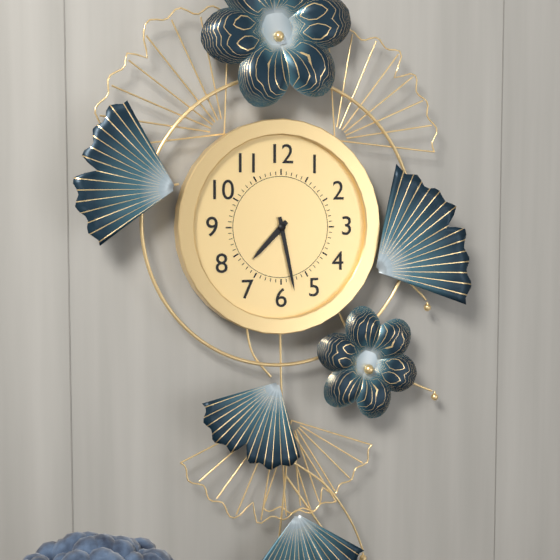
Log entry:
7 h 28 min
